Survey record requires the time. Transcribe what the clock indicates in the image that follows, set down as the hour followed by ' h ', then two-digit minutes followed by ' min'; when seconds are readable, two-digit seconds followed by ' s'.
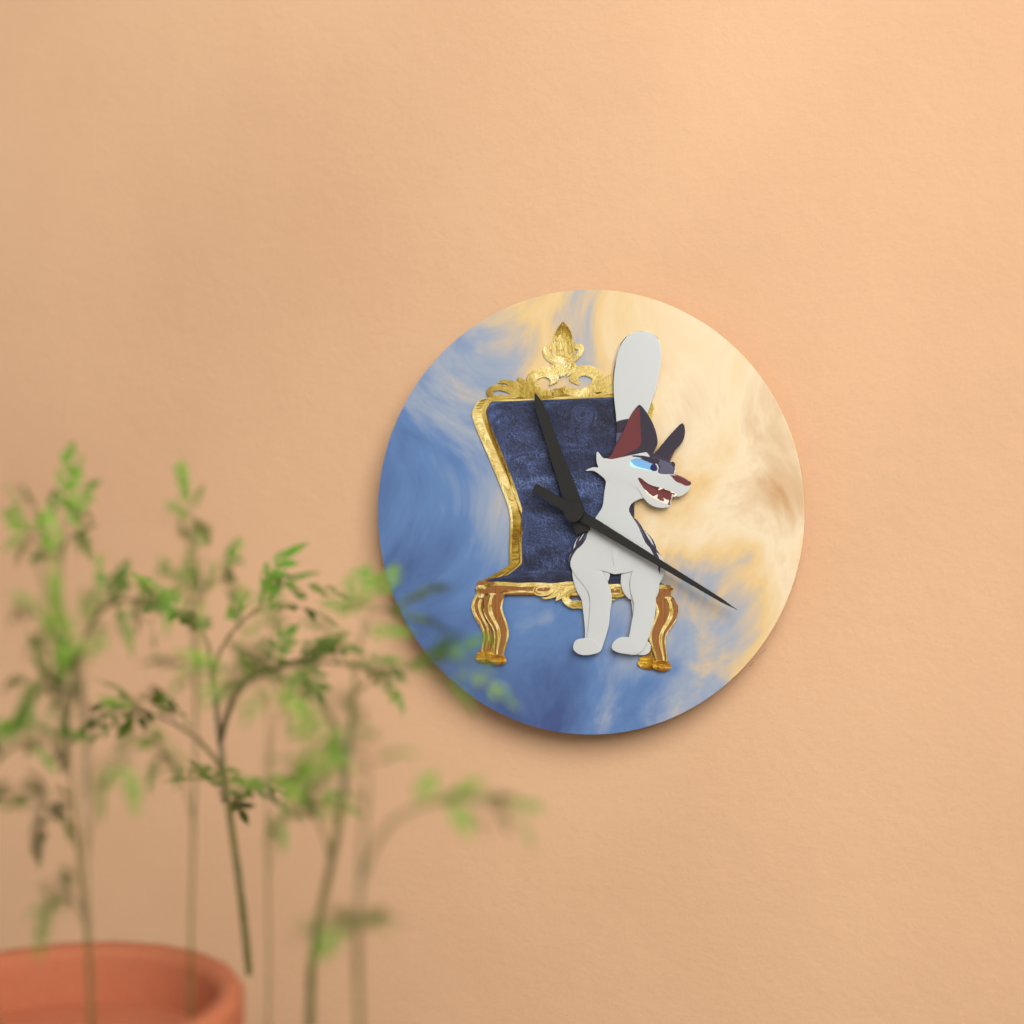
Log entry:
11 h 20 min
